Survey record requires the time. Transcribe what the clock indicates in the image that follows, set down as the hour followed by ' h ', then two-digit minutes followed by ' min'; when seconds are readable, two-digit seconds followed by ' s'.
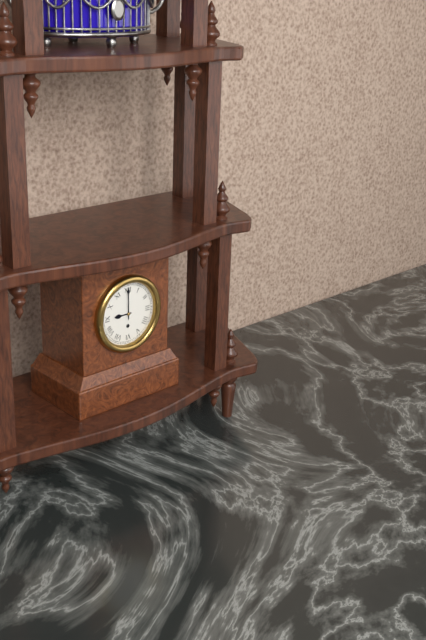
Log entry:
9 h 00 min
